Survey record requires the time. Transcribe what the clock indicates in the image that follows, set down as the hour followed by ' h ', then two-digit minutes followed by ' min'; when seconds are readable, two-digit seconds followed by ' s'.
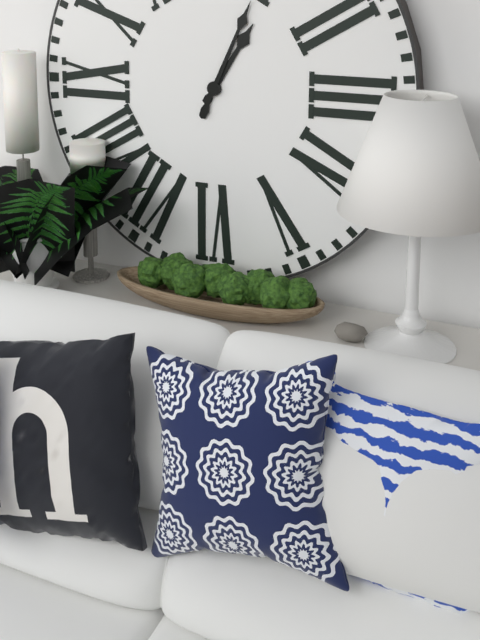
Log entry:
1 h 04 min
